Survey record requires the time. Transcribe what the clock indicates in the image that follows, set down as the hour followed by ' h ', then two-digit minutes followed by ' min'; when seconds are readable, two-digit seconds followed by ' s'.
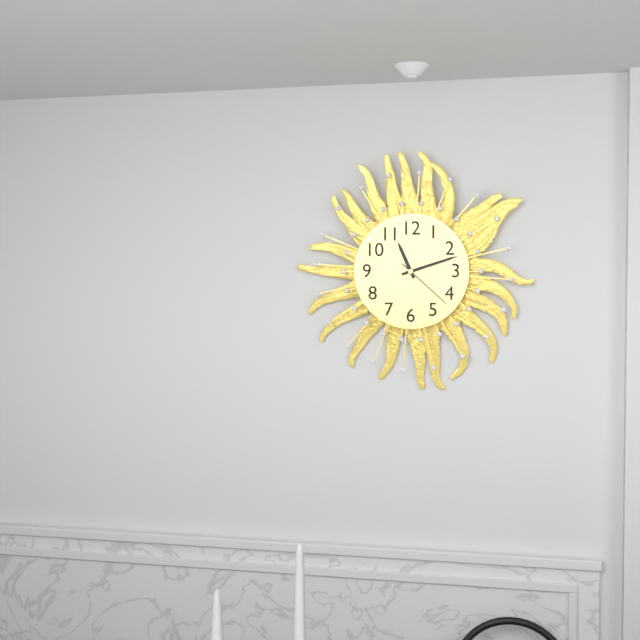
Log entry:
11 h 12 min 22 s
